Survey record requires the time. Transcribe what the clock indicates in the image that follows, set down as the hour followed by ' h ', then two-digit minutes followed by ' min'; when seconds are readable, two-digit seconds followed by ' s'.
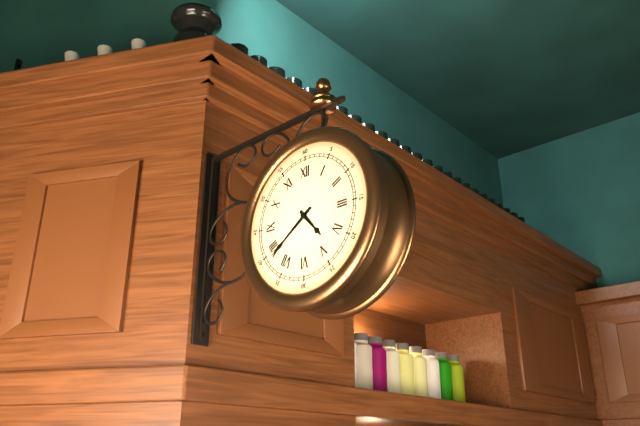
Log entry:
4 h 39 min
